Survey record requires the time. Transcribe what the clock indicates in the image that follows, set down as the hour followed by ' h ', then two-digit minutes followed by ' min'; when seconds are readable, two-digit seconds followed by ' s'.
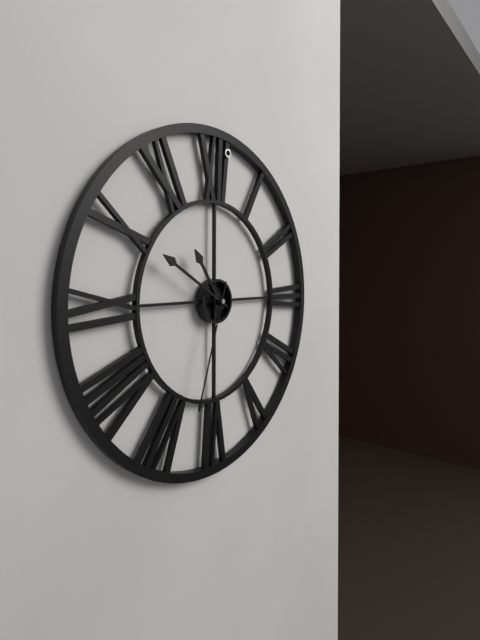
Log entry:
10 h 50 min 33 s
